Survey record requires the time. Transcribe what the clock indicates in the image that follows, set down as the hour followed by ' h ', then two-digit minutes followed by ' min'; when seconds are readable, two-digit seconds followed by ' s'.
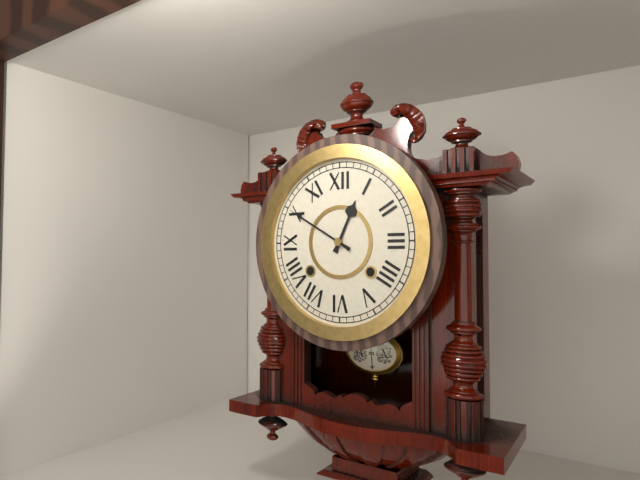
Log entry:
12 h 50 min
